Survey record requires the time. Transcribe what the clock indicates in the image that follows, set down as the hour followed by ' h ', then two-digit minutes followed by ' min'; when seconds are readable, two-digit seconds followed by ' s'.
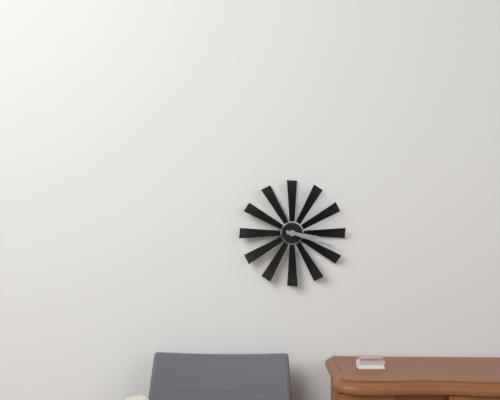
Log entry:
3 h 18 min
